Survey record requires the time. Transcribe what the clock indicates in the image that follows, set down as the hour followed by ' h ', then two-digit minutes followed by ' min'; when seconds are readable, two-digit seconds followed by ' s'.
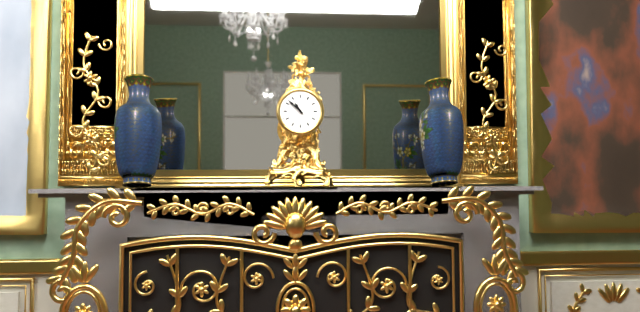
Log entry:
10 h 52 min
